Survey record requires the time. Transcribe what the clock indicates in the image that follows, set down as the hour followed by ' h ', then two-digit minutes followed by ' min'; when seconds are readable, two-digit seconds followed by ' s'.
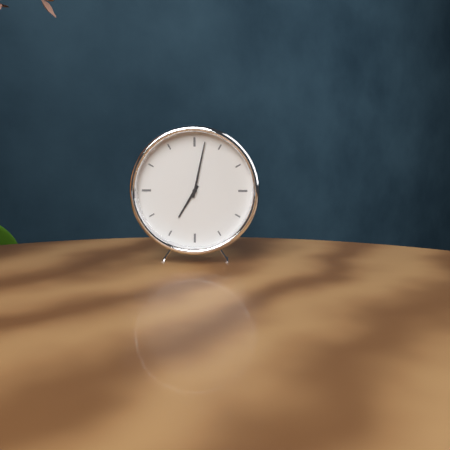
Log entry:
7 h 02 min
